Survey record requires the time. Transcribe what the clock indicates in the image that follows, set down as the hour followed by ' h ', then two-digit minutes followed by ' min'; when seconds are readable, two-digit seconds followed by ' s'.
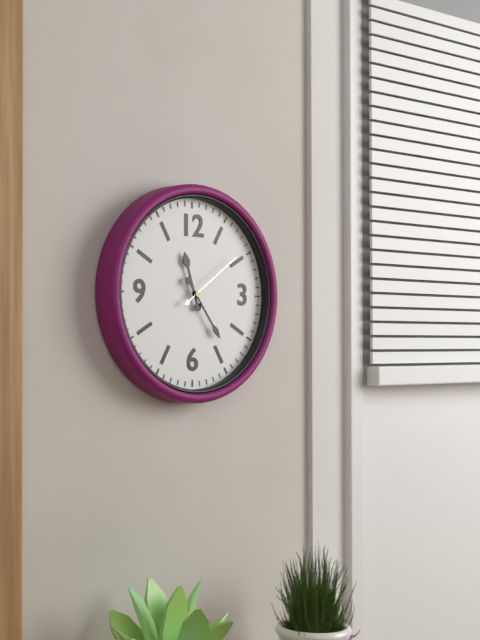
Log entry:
11 h 24 min 09 s
